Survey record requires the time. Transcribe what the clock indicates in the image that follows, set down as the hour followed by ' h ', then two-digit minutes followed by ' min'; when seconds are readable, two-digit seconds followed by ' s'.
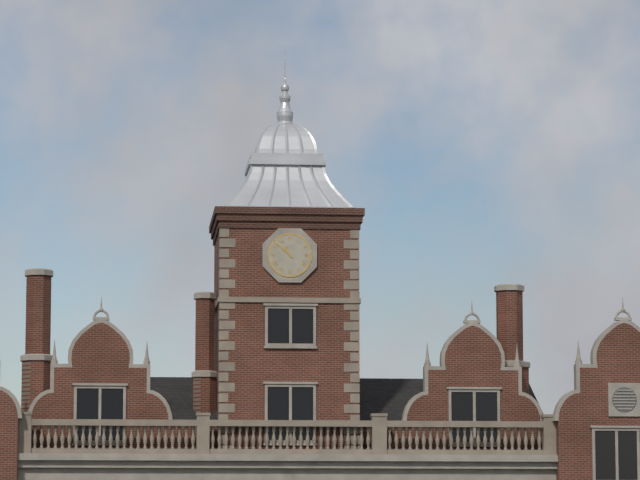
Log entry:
10 h 52 min
